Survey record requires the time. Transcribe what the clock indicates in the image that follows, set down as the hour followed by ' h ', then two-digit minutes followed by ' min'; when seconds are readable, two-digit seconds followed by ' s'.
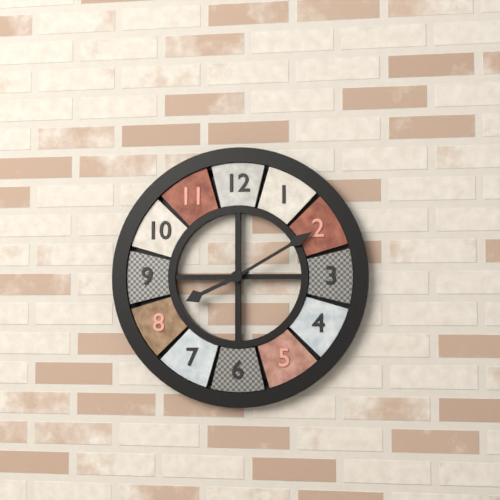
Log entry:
8 h 10 min
